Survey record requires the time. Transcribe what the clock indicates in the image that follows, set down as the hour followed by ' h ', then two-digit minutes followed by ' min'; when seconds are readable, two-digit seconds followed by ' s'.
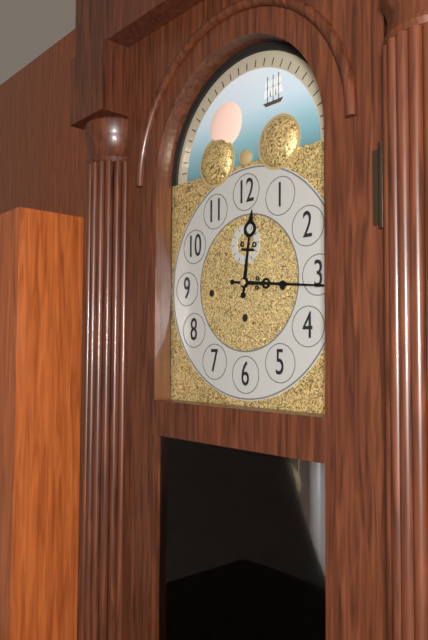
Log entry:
12 h 16 min
